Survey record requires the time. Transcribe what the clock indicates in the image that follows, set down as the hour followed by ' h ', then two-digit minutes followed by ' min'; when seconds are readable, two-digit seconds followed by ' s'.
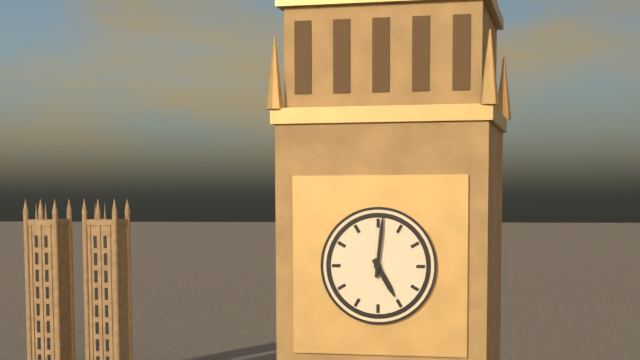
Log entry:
5 h 01 min
